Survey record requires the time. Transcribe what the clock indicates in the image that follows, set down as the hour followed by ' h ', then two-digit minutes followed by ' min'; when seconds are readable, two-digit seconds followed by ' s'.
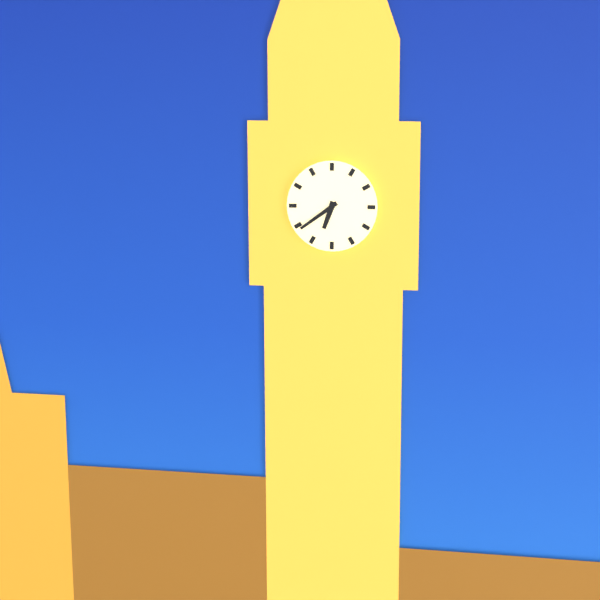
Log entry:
6 h 39 min
